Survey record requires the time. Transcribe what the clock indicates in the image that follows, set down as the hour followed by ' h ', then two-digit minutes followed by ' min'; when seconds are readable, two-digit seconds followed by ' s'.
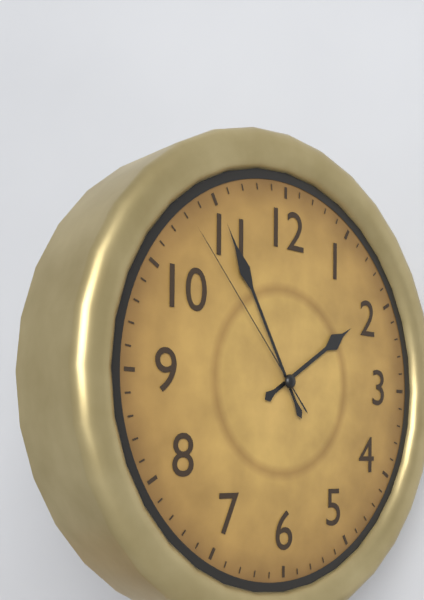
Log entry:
1 h 55 min 53 s
